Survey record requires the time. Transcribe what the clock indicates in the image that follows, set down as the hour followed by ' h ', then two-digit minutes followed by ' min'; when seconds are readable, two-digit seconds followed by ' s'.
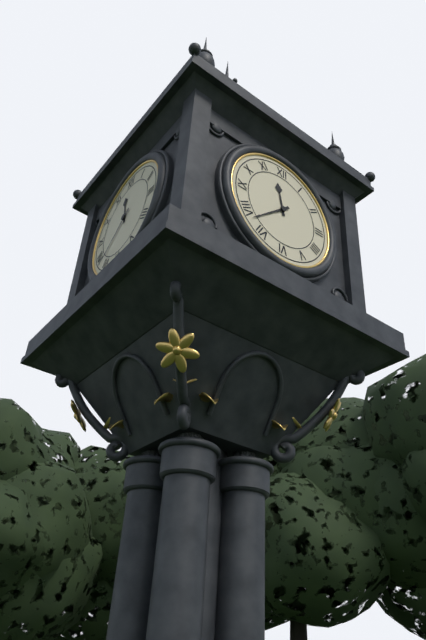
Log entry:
11 h 38 min
